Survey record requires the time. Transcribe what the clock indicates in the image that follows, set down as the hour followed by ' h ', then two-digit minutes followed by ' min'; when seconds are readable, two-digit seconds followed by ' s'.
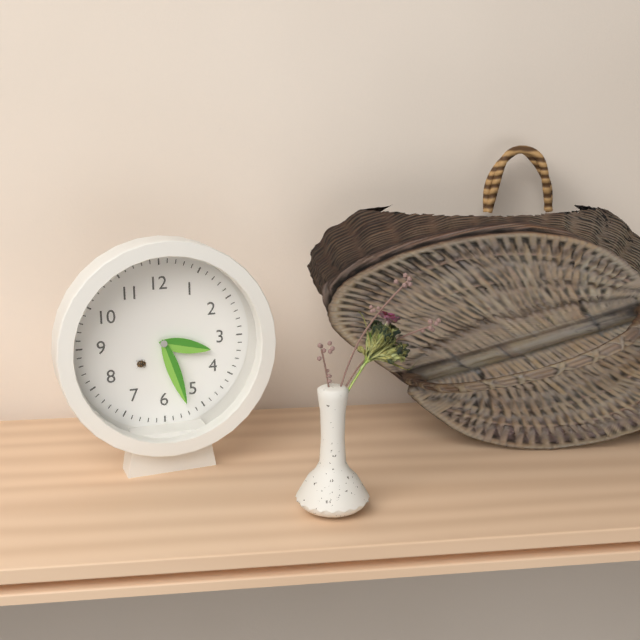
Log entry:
3 h 27 min
